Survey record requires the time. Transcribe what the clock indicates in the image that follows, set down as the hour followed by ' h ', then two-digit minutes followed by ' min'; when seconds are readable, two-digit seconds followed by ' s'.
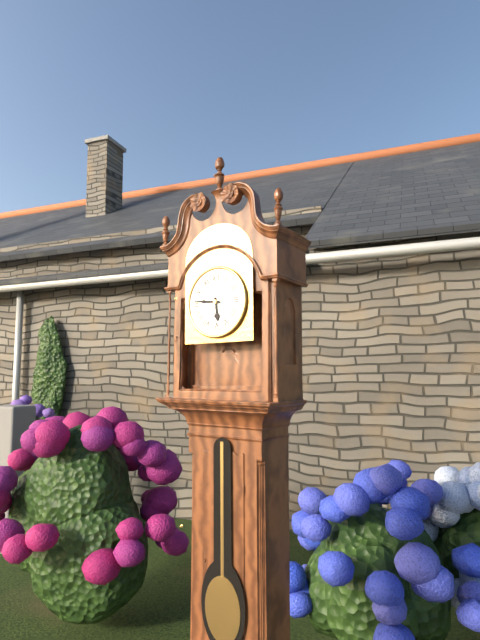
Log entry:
5 h 46 min
